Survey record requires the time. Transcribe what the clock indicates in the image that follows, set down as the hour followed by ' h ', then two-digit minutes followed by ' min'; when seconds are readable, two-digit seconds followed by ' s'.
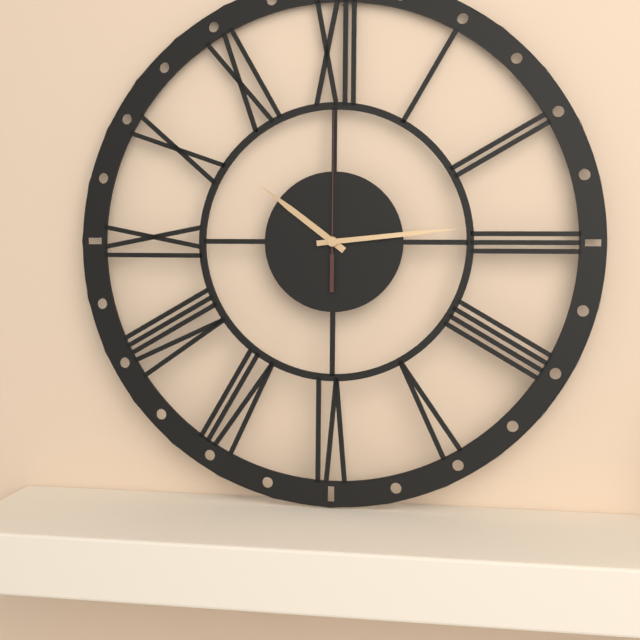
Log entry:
10 h 14 min 00 s
